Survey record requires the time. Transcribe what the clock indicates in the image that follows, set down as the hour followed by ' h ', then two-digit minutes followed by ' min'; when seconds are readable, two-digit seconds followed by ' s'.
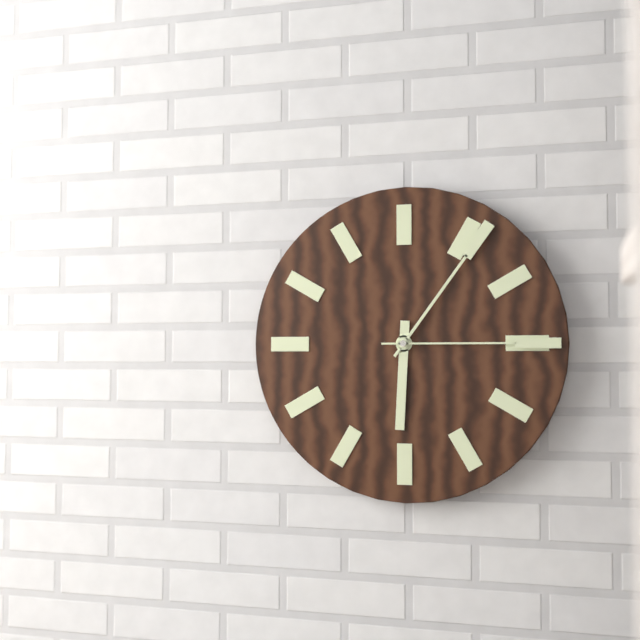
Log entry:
6 h 06 min 15 s
